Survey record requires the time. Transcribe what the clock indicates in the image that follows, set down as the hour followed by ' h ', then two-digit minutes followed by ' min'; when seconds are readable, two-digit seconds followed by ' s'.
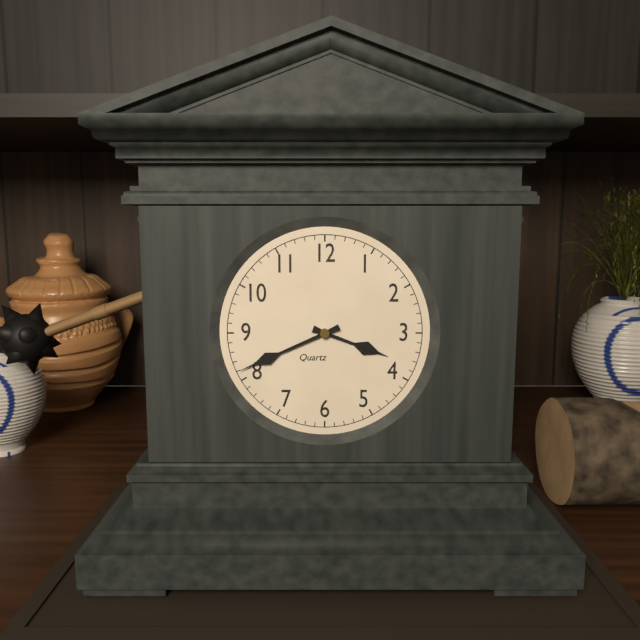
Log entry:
3 h 41 min
